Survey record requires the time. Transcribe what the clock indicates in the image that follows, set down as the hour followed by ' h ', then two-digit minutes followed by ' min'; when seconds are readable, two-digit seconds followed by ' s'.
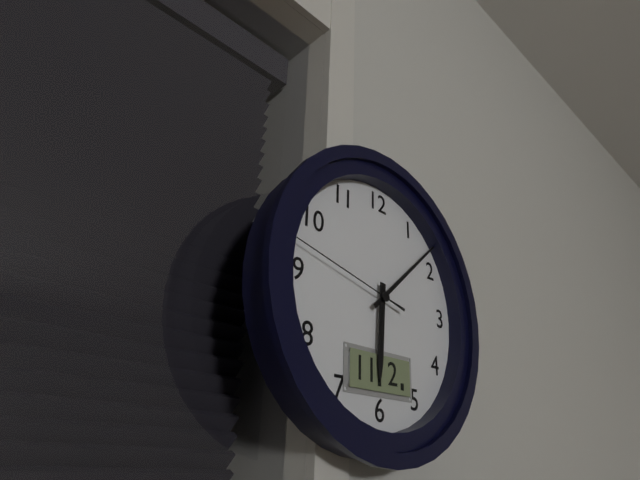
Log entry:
6 h 08 min 47 s
